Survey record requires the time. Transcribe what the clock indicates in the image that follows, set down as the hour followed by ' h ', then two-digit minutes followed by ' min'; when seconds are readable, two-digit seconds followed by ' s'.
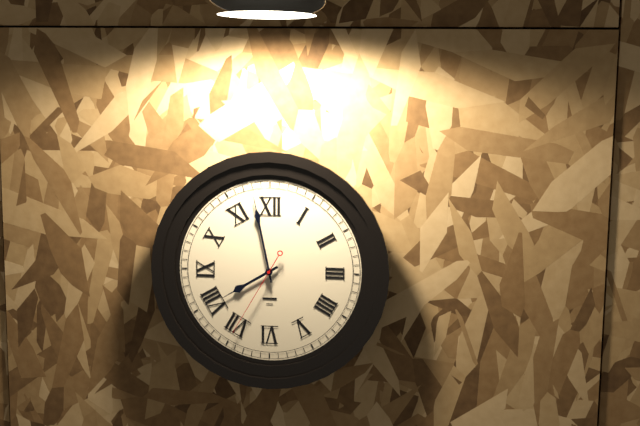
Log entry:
7 h 58 min 35 s
